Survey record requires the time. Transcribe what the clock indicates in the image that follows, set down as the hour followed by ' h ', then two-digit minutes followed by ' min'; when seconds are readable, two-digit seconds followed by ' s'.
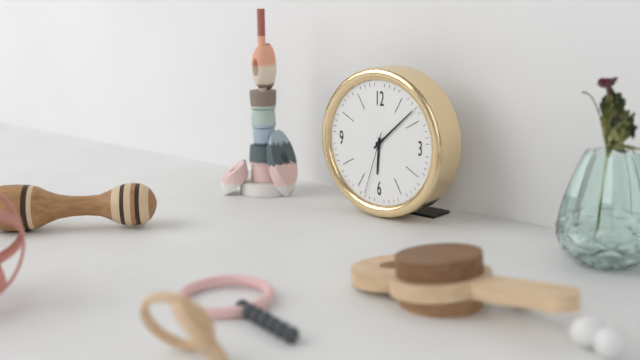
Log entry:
6 h 08 min 33 s
